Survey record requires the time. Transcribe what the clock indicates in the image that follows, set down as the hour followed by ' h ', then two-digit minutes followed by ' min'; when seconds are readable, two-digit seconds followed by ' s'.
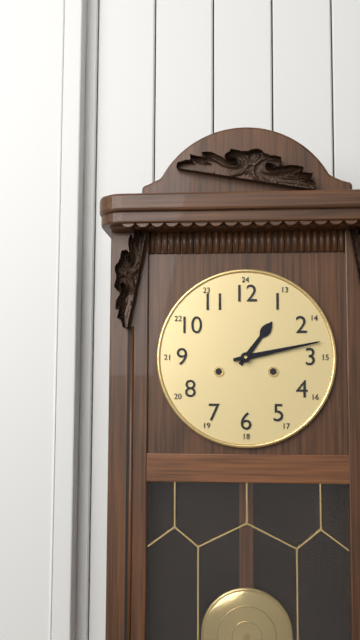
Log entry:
1 h 13 min
